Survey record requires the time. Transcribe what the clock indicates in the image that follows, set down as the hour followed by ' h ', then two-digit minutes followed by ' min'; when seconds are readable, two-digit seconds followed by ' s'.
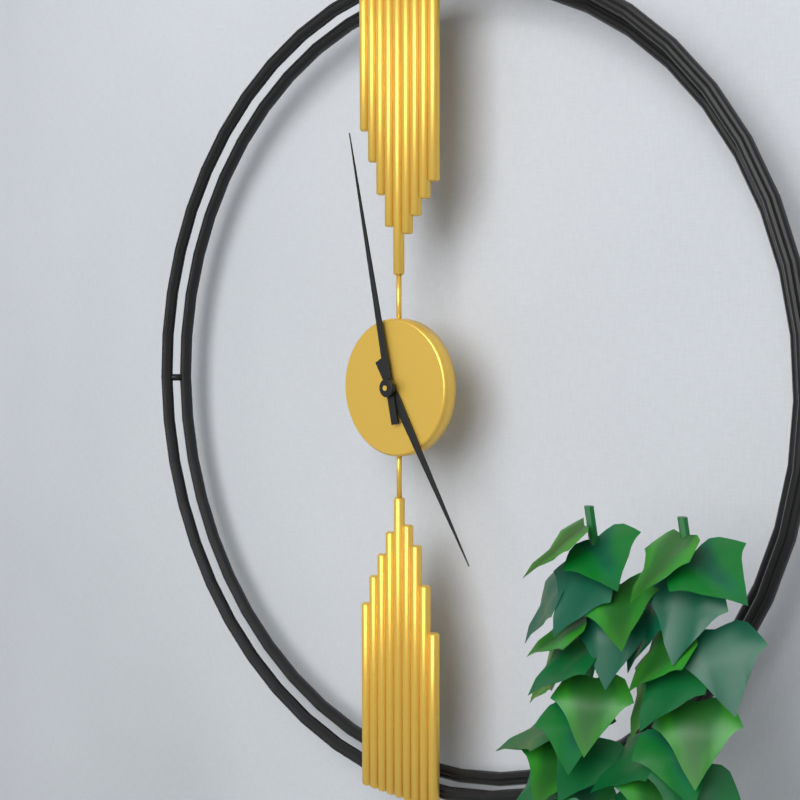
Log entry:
4 h 58 min
